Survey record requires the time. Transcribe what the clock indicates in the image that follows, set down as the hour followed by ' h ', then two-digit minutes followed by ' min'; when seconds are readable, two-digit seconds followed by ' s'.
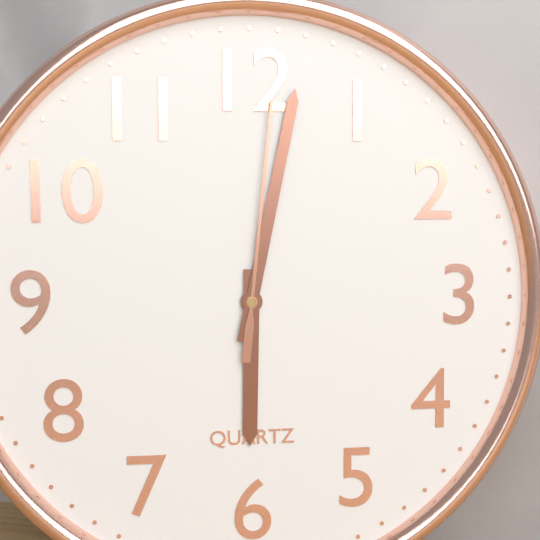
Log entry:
6 h 02 min 01 s
